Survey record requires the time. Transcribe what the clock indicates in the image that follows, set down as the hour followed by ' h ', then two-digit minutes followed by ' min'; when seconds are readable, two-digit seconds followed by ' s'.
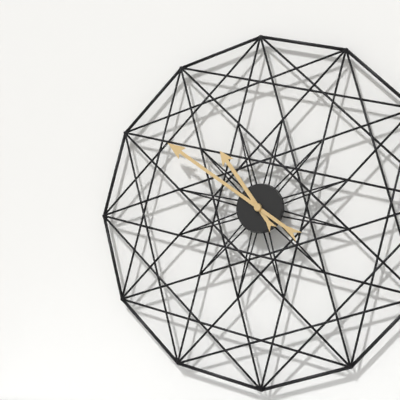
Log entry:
10 h 51 min
